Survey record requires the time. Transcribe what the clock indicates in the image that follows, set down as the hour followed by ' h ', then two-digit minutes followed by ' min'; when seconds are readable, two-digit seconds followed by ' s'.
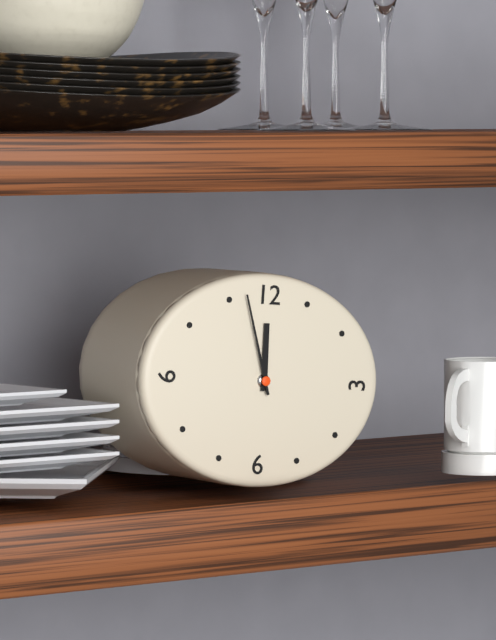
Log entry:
11 h 57 min
